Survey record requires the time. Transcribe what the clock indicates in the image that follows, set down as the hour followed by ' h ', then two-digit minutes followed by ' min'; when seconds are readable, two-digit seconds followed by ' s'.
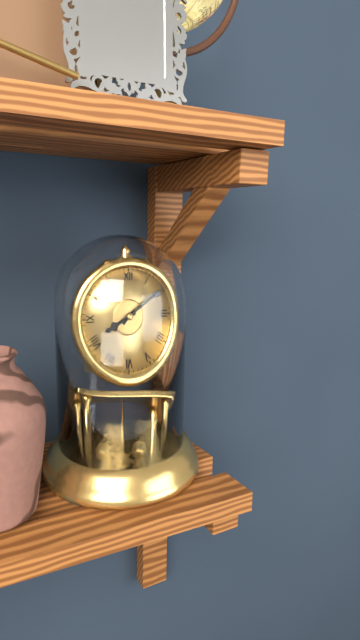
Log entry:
8 h 09 min
